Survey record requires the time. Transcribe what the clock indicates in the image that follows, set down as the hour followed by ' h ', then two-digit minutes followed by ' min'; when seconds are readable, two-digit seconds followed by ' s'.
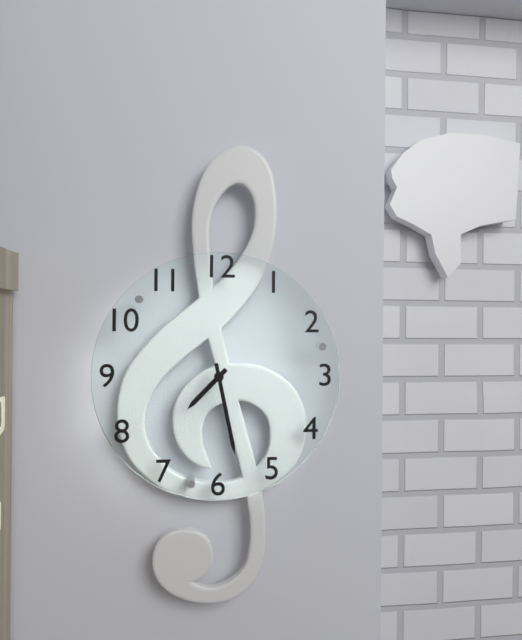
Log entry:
7 h 28 min
